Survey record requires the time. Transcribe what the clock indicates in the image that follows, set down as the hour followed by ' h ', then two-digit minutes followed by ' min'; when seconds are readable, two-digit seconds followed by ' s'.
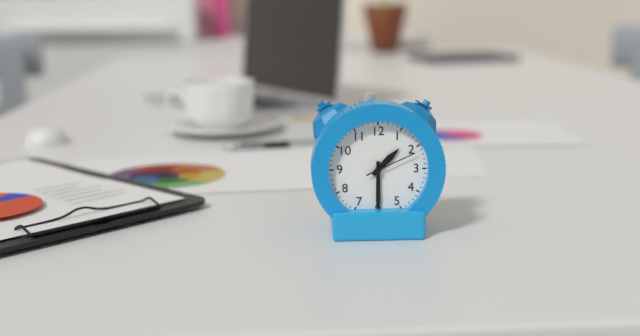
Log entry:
1 h 30 min 11 s
